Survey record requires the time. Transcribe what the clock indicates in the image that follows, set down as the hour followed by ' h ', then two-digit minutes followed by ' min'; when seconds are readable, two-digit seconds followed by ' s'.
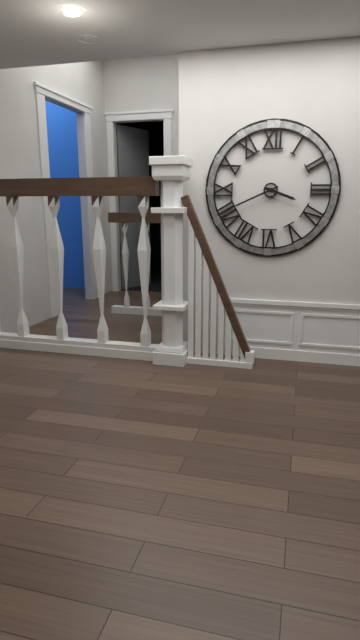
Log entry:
3 h 41 min
